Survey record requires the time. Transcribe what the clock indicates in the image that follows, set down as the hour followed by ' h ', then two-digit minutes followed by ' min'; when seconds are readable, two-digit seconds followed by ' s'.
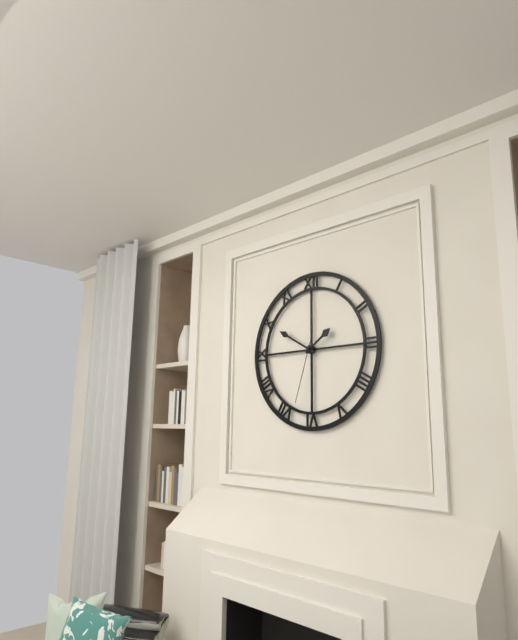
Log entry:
1 h 50 min 33 s
